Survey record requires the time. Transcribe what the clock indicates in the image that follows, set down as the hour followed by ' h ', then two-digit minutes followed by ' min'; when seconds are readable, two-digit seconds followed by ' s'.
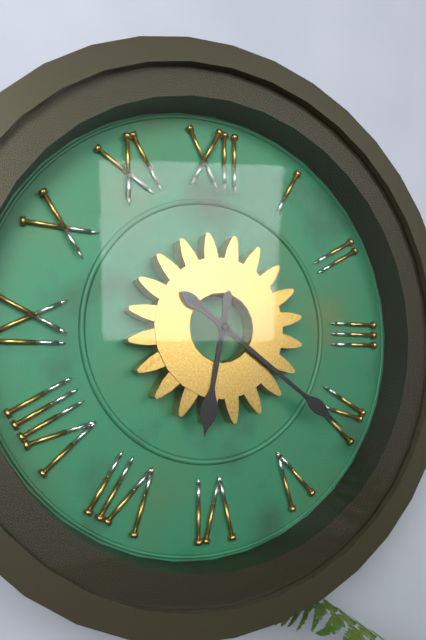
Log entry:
6 h 21 min
